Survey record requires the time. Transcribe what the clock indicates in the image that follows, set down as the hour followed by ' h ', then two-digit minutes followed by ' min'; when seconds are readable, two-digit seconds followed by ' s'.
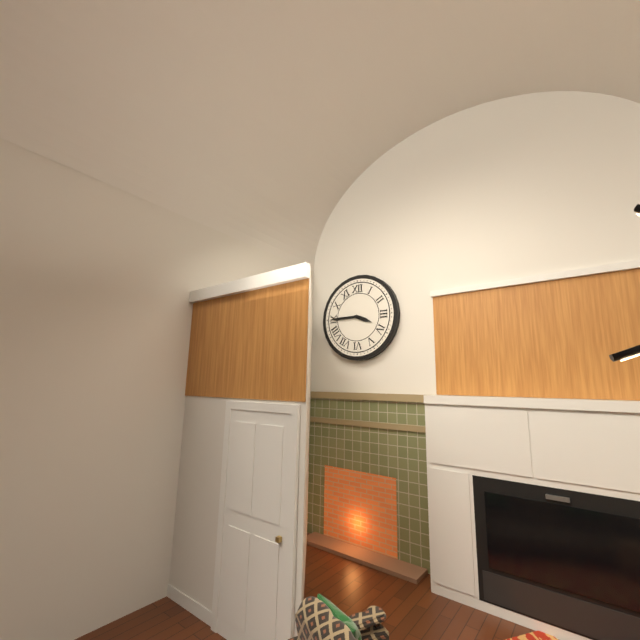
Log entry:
3 h 45 min
